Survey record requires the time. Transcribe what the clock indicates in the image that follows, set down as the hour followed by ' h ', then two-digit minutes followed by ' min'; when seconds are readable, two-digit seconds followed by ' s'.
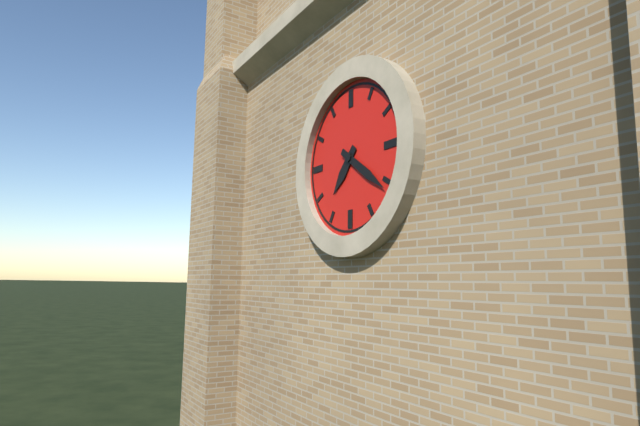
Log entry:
7 h 21 min
